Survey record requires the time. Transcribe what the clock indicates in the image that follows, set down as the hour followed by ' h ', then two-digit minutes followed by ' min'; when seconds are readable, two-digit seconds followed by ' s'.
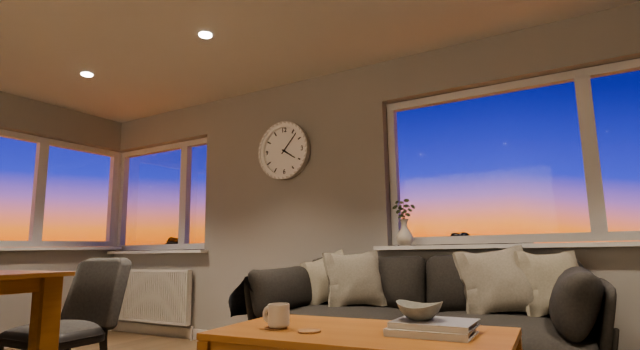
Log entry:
4 h 07 min
